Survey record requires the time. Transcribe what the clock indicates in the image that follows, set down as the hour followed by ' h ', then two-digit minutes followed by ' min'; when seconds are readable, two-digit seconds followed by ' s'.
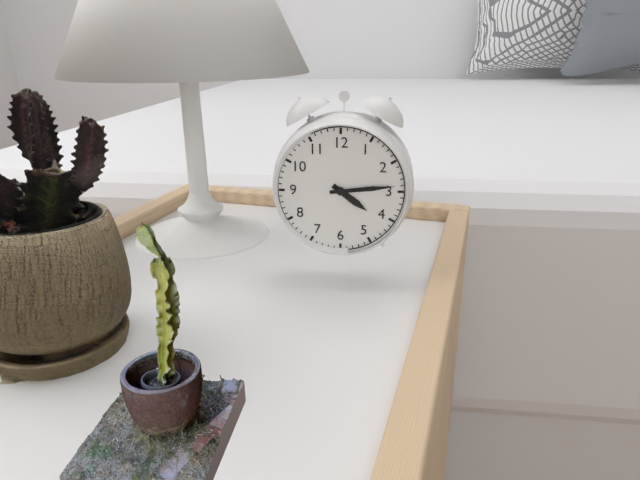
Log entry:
4 h 14 min
